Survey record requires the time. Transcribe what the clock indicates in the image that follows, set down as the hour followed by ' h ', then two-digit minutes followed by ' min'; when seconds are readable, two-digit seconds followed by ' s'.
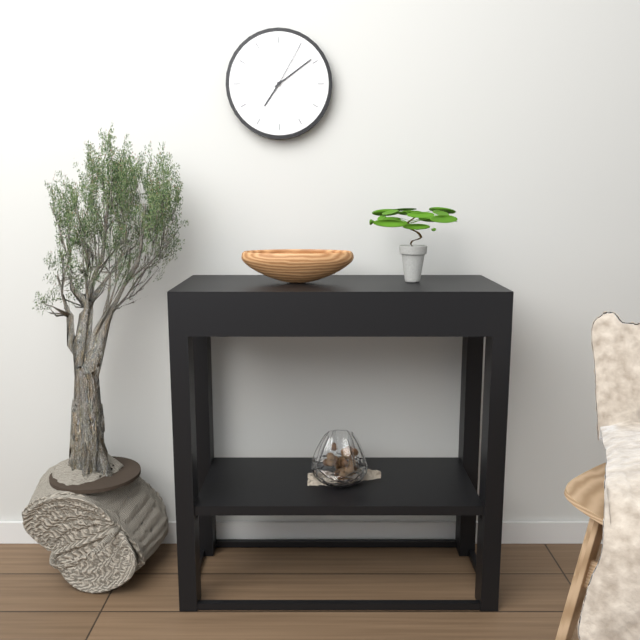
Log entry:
7 h 09 min 05 s
